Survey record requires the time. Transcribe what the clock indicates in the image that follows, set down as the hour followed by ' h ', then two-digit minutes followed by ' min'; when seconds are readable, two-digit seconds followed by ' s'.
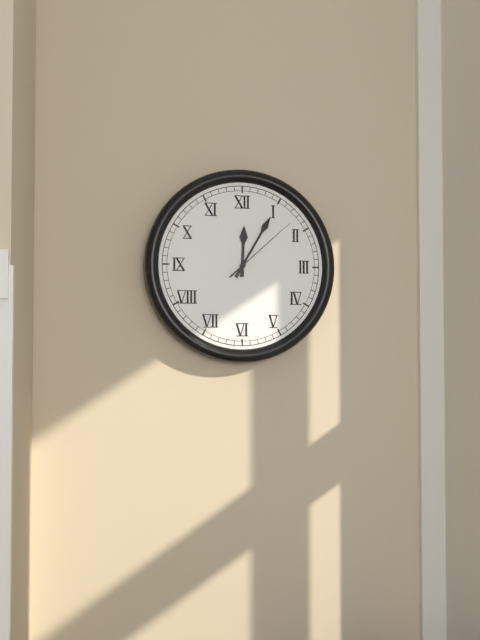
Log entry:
12 h 05 min 08 s
